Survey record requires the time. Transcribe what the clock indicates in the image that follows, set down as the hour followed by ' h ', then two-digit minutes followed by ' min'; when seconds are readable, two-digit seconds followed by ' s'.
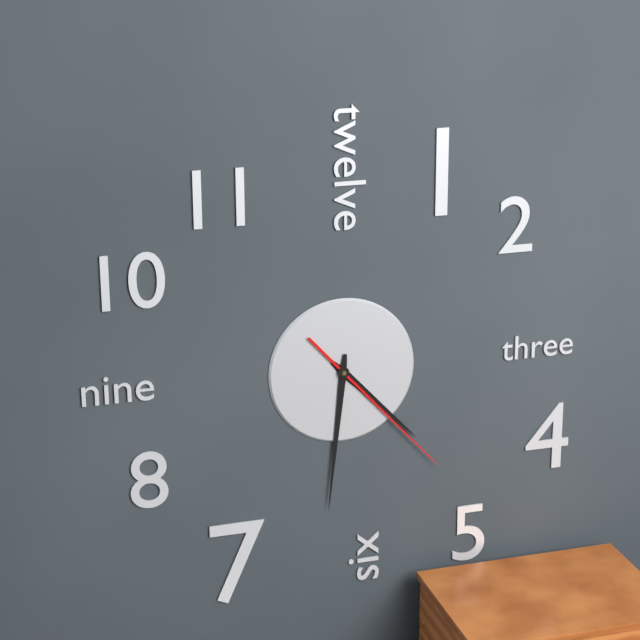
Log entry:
4 h 31 min 23 s
